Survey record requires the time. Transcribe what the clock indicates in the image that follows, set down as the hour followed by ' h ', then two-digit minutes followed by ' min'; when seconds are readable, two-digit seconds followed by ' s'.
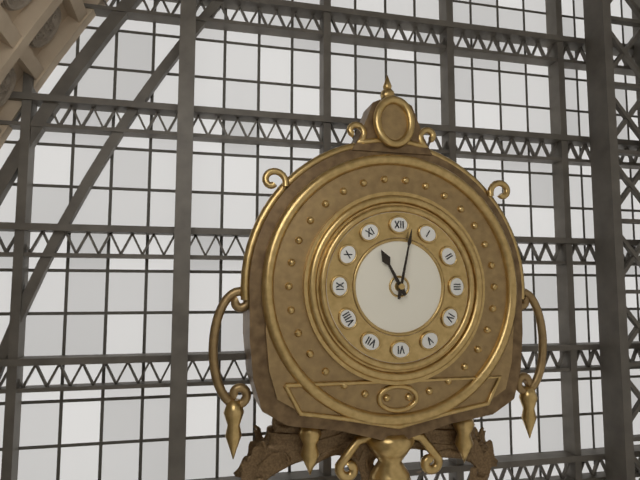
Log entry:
11 h 02 min
